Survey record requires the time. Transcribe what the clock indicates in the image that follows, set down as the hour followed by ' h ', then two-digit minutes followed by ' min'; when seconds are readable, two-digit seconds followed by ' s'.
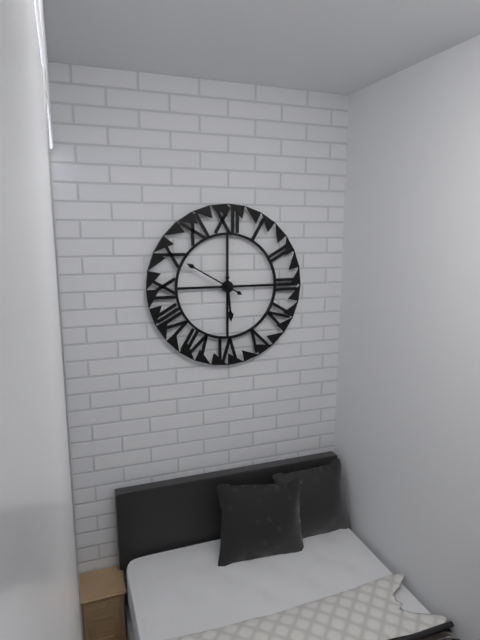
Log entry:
5 h 50 min
